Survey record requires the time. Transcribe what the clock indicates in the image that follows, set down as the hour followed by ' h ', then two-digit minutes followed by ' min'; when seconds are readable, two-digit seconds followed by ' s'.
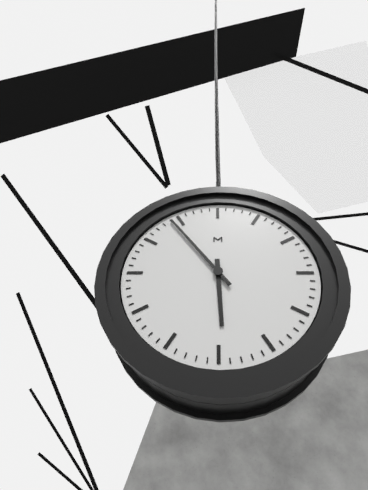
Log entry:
5 h 54 min
